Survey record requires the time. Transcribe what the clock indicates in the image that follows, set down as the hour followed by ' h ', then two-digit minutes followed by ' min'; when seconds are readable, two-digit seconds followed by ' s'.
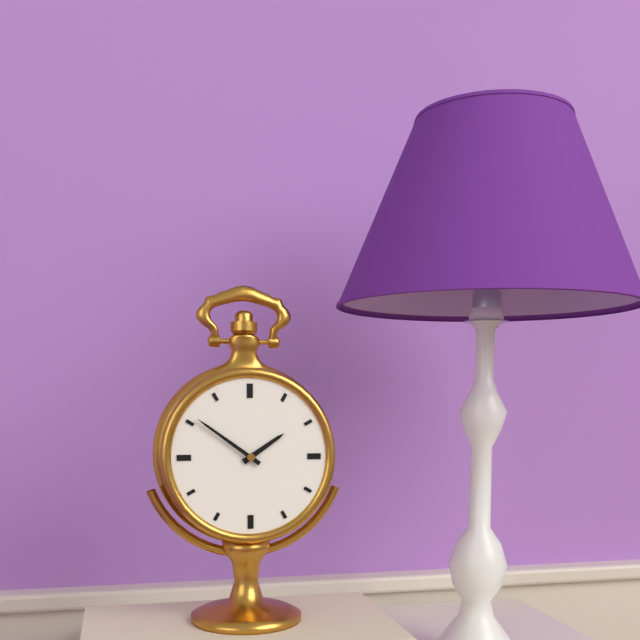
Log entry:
1 h 51 min
